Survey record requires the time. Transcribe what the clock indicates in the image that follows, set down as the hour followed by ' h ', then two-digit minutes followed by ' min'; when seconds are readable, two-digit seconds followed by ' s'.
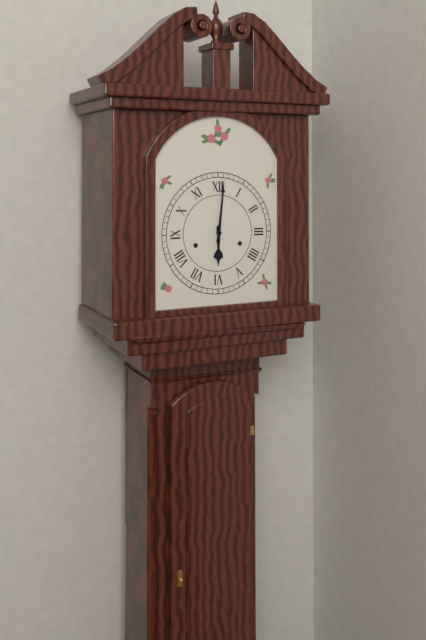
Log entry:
6 h 01 min
